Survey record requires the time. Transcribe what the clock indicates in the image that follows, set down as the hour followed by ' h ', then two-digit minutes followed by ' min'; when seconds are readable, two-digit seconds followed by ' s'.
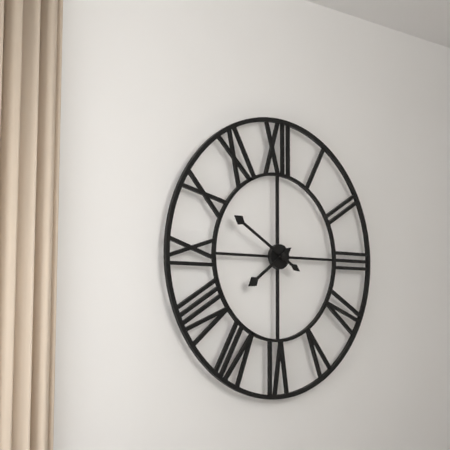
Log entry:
7 h 50 min
